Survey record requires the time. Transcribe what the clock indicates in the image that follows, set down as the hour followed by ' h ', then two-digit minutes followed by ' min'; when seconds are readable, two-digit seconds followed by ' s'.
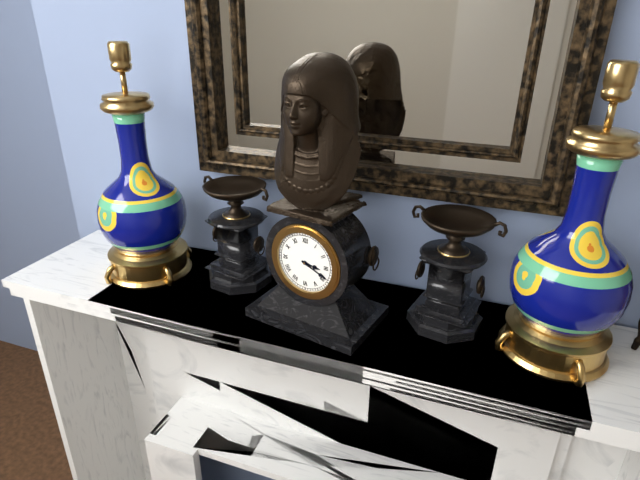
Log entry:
3 h 19 min
